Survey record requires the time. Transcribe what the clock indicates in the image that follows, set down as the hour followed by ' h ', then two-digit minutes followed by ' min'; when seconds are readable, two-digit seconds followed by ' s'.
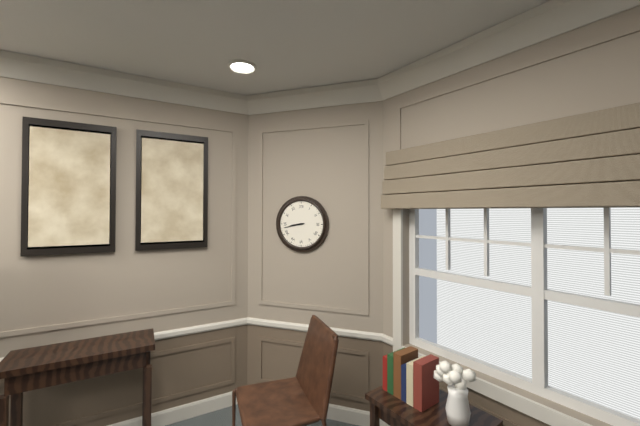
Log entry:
8 h 43 min
